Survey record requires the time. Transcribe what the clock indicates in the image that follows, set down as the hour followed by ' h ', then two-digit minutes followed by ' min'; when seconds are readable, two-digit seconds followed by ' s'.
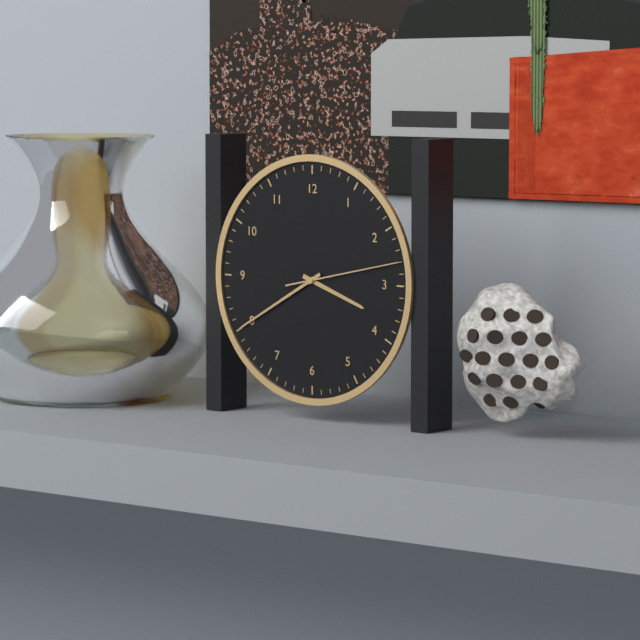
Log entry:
3 h 40 min 13 s
